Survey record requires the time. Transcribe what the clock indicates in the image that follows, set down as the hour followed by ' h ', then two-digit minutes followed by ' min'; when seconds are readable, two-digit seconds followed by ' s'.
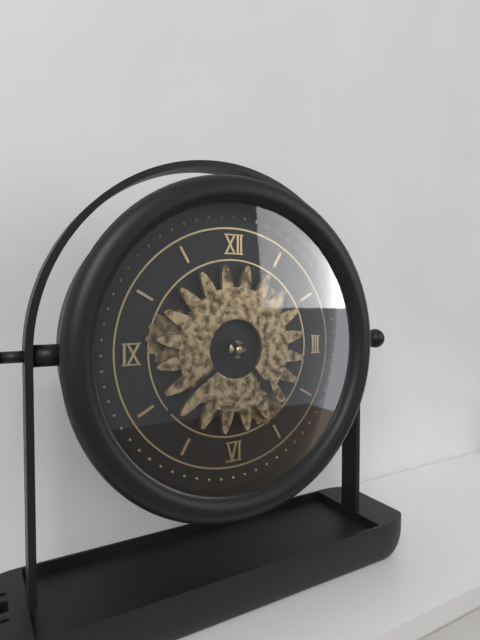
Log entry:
4 h 39 min
